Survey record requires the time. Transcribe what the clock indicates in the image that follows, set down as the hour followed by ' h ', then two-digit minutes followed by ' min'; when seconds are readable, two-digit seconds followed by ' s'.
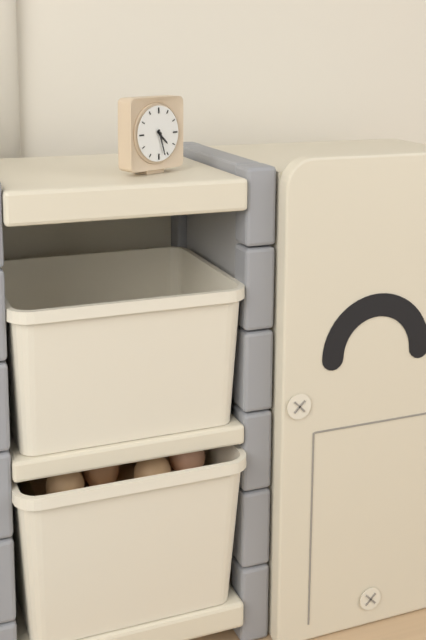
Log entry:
4 h 27 min
